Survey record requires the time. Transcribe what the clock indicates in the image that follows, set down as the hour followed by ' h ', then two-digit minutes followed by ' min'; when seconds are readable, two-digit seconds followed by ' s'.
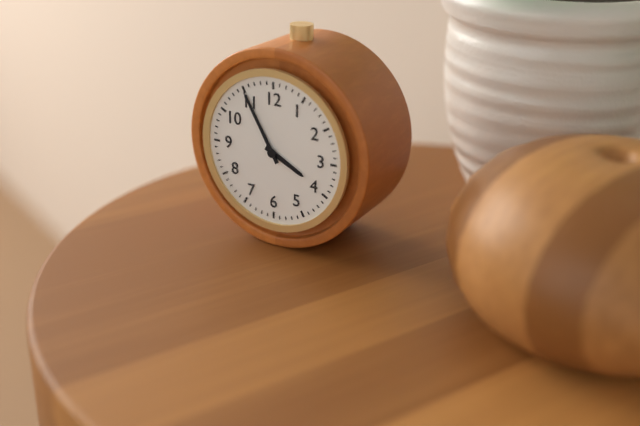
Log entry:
3 h 55 min
